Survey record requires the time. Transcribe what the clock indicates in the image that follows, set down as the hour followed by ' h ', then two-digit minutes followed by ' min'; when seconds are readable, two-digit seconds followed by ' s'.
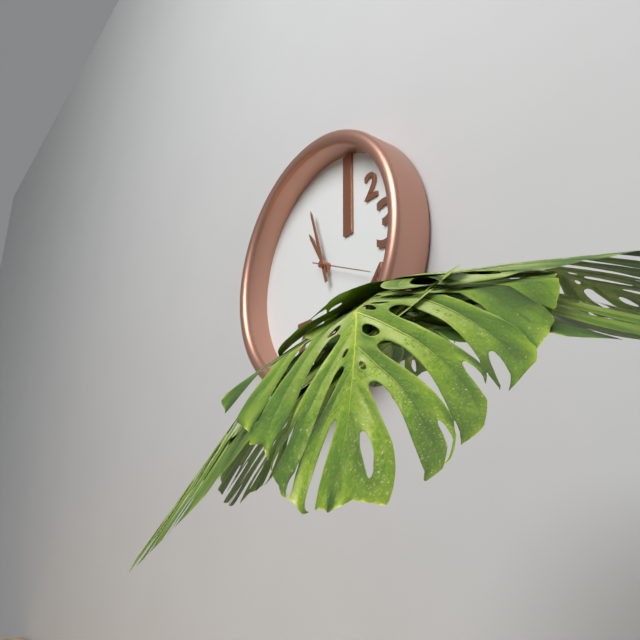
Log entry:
10 h 57 min
